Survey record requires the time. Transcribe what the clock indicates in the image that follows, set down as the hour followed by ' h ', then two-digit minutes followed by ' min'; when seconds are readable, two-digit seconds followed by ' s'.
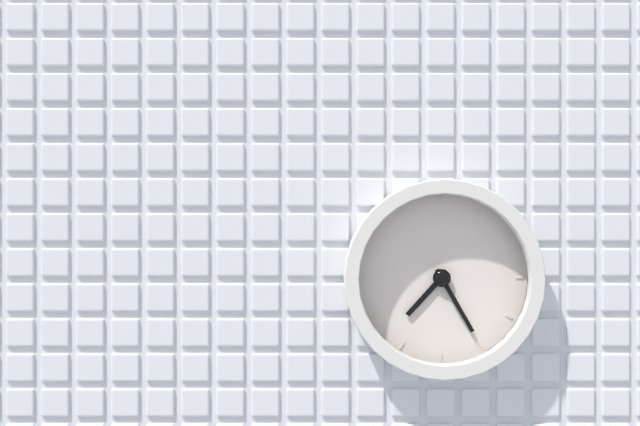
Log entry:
7 h 25 min
